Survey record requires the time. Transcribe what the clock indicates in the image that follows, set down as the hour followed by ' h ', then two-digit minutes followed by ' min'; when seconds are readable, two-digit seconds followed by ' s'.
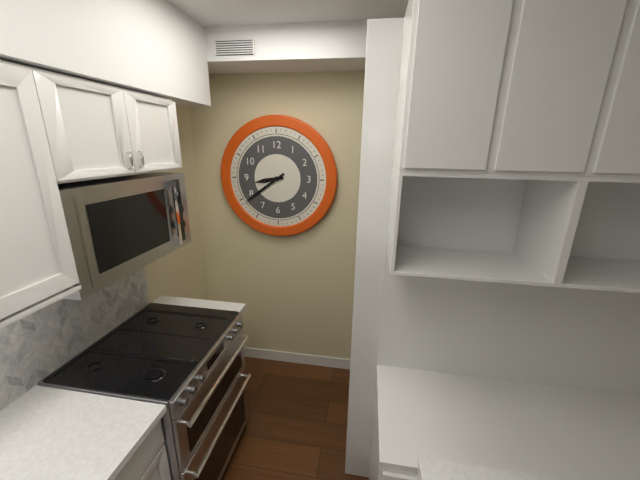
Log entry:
8 h 39 min
